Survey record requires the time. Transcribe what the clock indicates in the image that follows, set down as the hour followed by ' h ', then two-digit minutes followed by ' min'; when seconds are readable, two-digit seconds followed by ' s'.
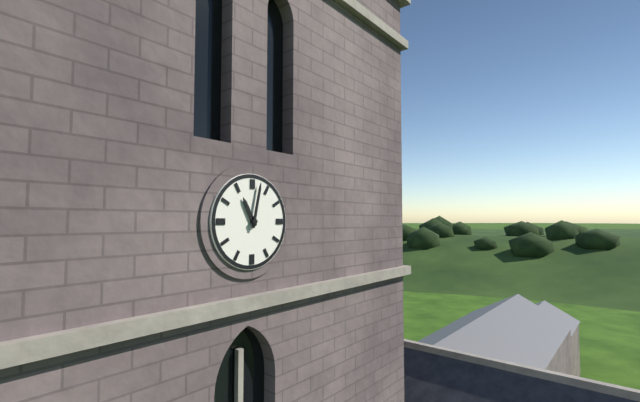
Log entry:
11 h 02 min
